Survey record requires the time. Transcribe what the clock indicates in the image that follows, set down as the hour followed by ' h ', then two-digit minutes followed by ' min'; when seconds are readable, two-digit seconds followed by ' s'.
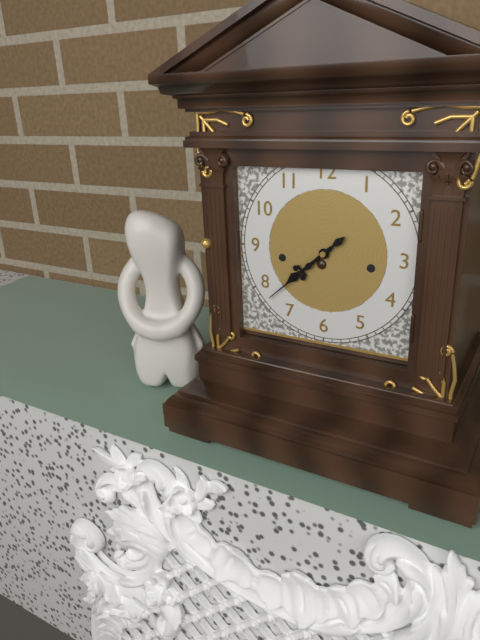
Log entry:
7 h 38 min
